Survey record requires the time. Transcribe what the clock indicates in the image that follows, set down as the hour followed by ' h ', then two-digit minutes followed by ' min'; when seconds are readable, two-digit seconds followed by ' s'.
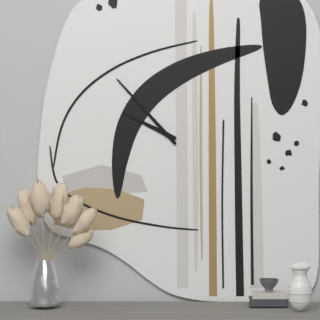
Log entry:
9 h 53 min
